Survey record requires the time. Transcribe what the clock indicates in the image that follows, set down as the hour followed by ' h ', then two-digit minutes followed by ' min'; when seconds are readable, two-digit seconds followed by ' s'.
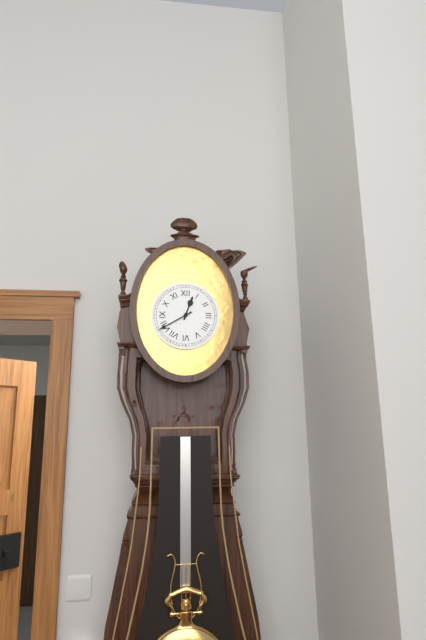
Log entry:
12 h 40 min
